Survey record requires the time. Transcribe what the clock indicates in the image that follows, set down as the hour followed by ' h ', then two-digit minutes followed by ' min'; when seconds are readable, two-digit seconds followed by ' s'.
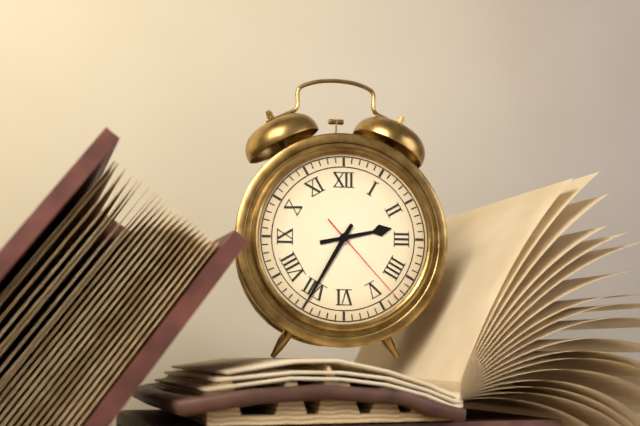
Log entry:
2 h 35 min 23 s
